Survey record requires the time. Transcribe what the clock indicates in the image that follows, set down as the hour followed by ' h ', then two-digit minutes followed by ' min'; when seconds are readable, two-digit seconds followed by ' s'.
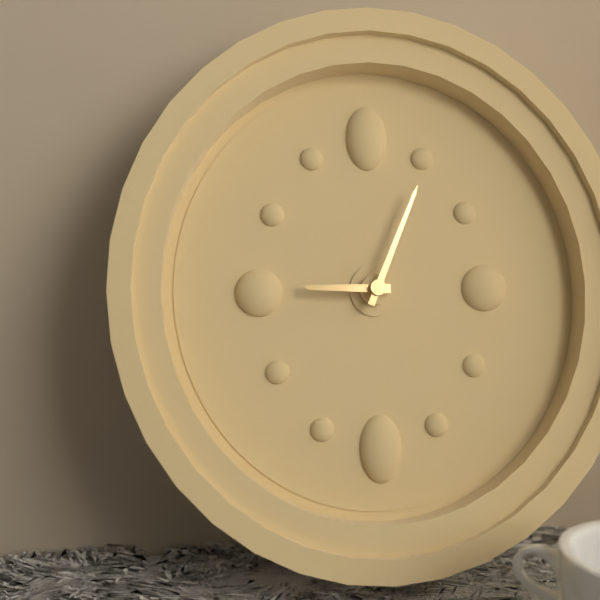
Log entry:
9 h 04 min
